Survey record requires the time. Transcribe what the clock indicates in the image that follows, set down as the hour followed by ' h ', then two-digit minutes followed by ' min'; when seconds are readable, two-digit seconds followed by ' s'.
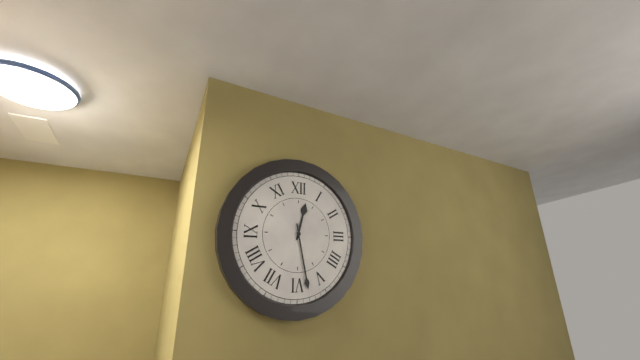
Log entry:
12 h 28 min
